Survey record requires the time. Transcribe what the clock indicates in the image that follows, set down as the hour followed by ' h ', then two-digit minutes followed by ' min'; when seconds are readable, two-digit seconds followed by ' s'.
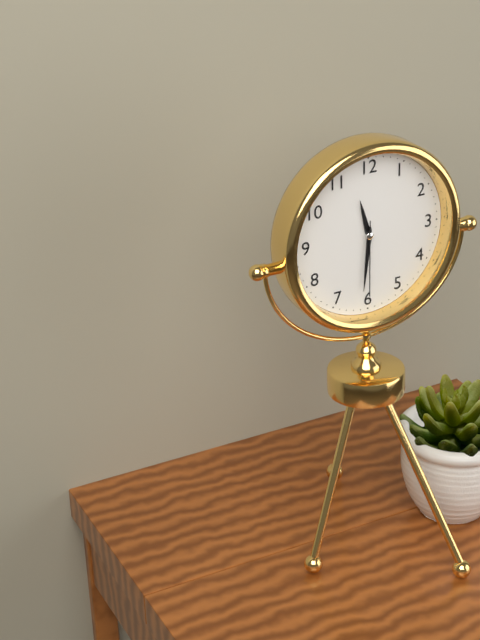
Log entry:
11 h 31 min 30 s
